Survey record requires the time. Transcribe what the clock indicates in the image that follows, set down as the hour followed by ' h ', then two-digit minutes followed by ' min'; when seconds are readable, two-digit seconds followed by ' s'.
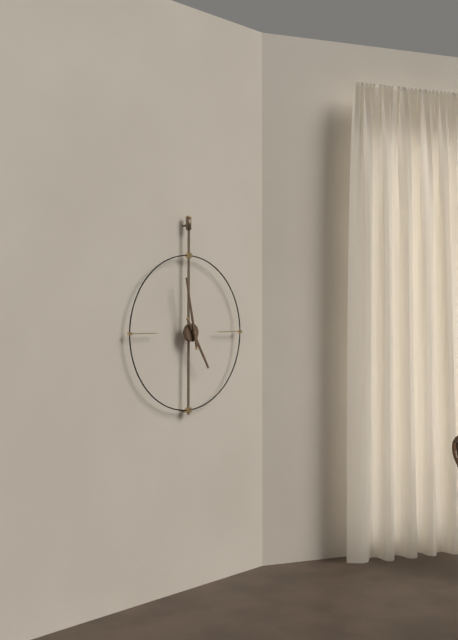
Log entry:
4 h 58 min
